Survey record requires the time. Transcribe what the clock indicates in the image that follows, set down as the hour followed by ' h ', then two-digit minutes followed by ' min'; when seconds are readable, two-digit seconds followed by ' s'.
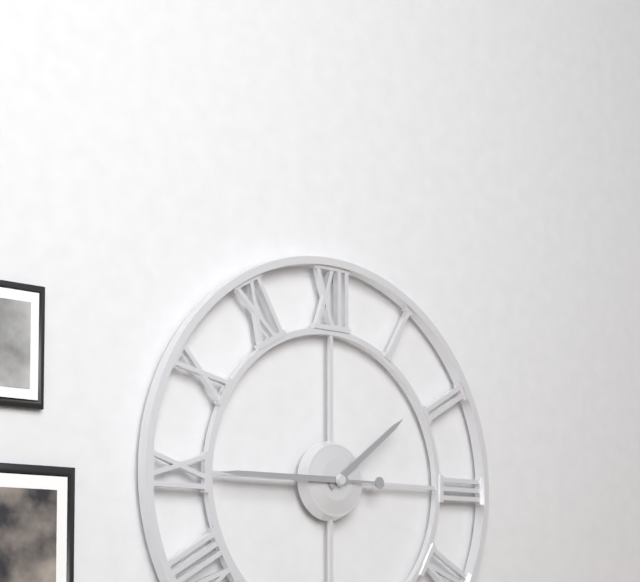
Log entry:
1 h 45 min
